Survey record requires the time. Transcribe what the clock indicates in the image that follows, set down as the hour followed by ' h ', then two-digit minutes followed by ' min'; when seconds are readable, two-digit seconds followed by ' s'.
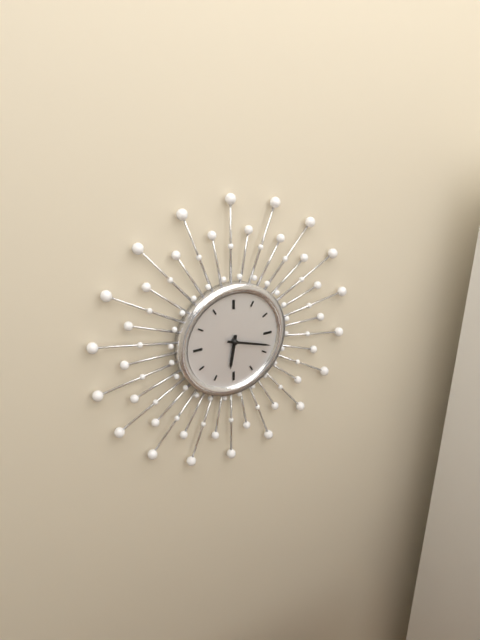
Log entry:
6 h 18 min
